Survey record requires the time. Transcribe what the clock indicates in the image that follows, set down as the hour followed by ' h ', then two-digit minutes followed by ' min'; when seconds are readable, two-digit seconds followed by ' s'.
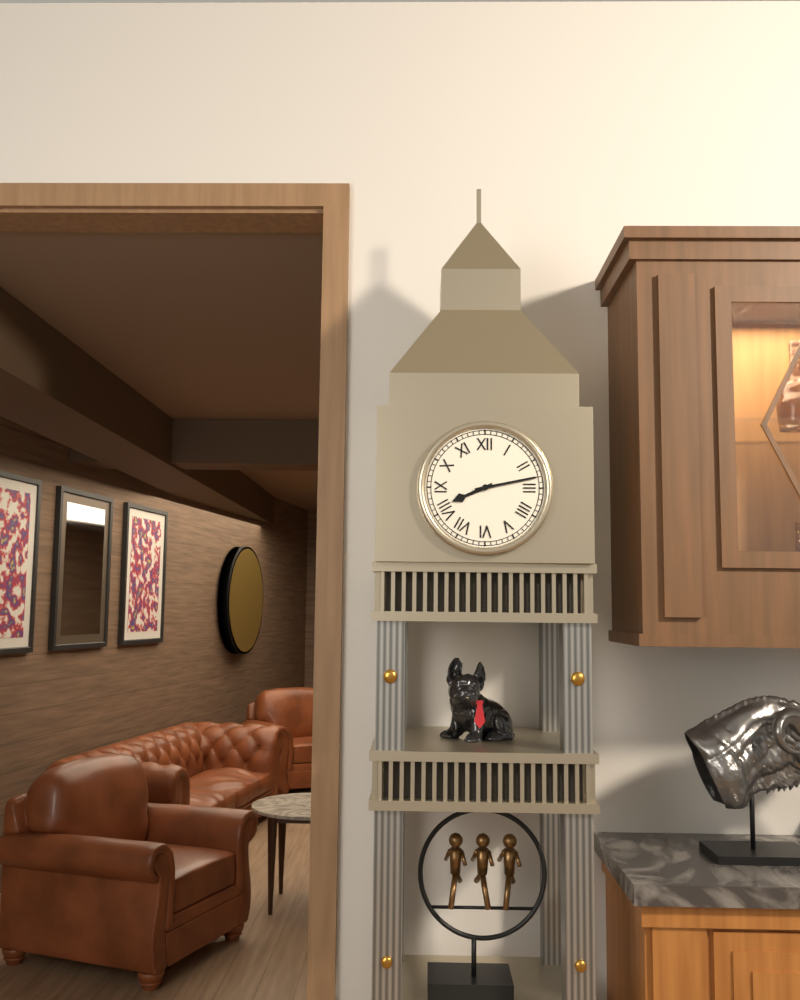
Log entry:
8 h 13 min
